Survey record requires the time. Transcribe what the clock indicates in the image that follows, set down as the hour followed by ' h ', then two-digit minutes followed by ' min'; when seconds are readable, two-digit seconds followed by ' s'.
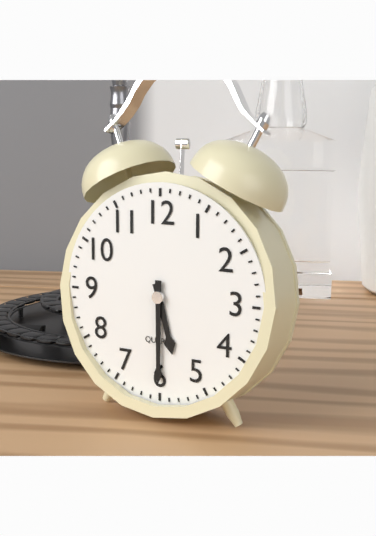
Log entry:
5 h 30 min
